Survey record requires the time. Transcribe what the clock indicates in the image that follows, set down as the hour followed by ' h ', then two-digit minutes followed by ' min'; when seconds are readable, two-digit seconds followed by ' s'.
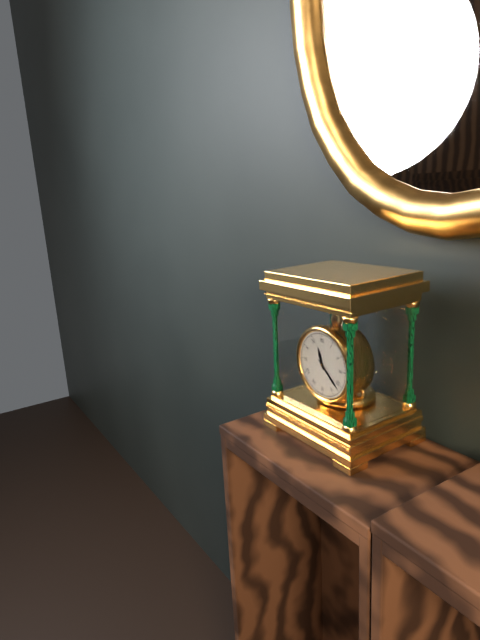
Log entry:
11 h 22 min
